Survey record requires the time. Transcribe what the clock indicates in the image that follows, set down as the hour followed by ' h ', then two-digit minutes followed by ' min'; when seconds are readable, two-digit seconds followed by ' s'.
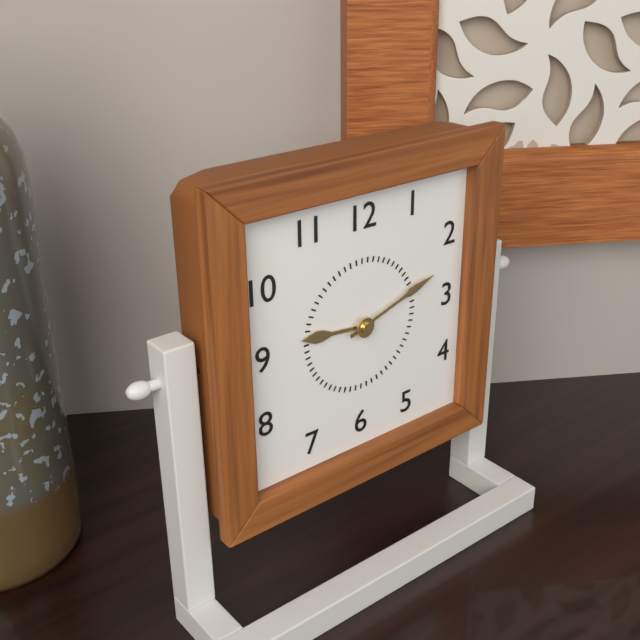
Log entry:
9 h 12 min
